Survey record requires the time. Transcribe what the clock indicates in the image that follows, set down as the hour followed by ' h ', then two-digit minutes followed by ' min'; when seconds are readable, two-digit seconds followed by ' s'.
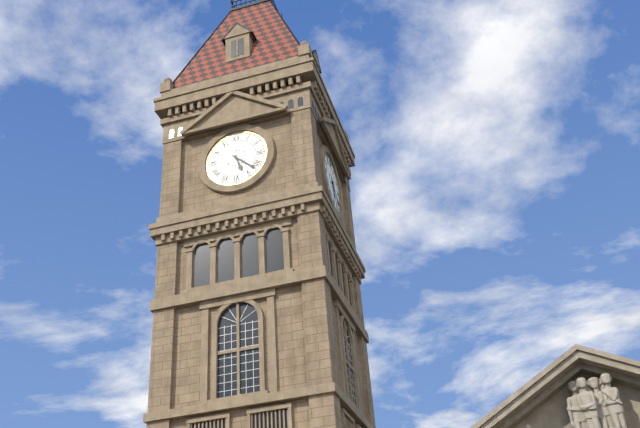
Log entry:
5 h 22 min
